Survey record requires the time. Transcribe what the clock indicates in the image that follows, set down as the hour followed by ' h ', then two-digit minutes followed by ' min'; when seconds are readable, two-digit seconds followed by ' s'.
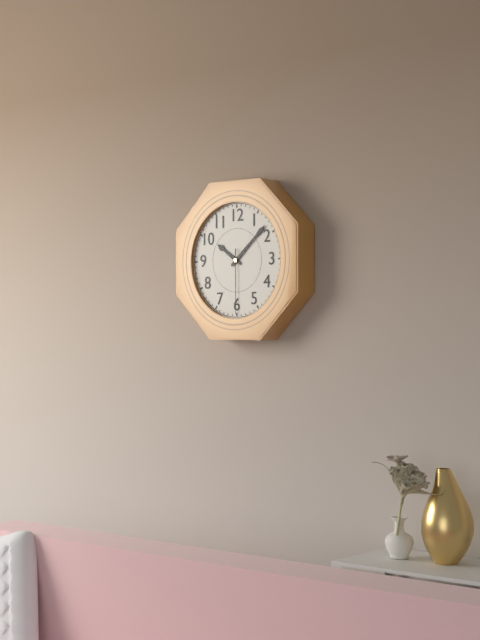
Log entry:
10 h 08 min 30 s
